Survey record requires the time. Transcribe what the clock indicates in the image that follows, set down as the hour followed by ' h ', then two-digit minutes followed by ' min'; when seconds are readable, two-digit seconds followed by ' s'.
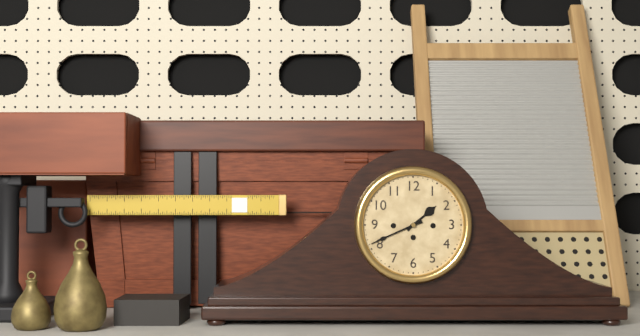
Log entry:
1 h 41 min
